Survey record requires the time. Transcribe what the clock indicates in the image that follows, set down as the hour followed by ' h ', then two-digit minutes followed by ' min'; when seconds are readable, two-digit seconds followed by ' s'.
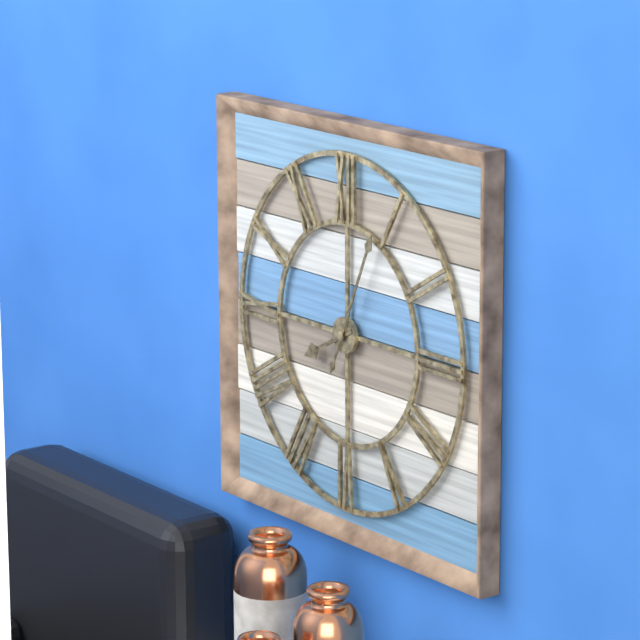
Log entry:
8 h 04 min
